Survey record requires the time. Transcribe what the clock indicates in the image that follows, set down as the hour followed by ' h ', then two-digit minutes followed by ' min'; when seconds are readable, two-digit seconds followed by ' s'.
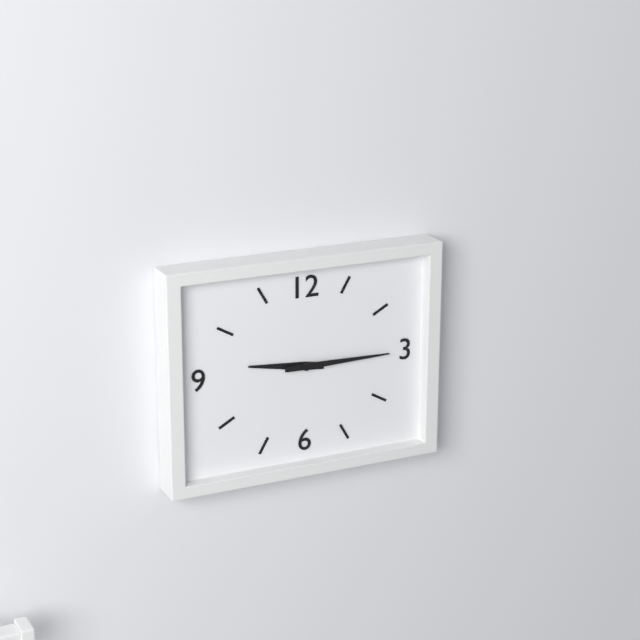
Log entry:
9 h 15 min
